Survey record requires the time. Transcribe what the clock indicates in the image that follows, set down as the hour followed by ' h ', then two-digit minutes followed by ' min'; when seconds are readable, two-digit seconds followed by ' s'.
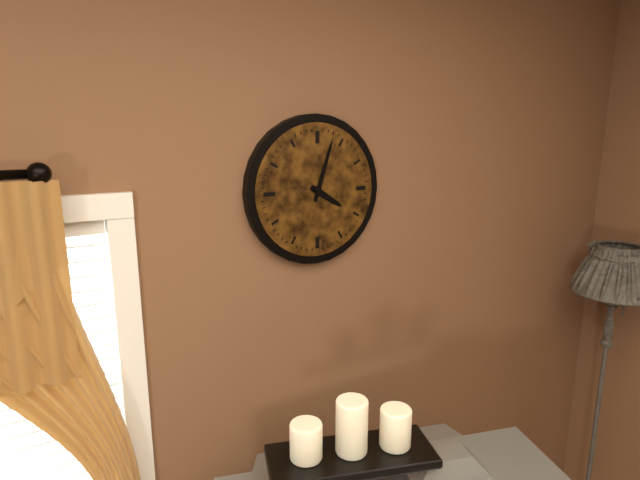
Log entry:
4 h 03 min
